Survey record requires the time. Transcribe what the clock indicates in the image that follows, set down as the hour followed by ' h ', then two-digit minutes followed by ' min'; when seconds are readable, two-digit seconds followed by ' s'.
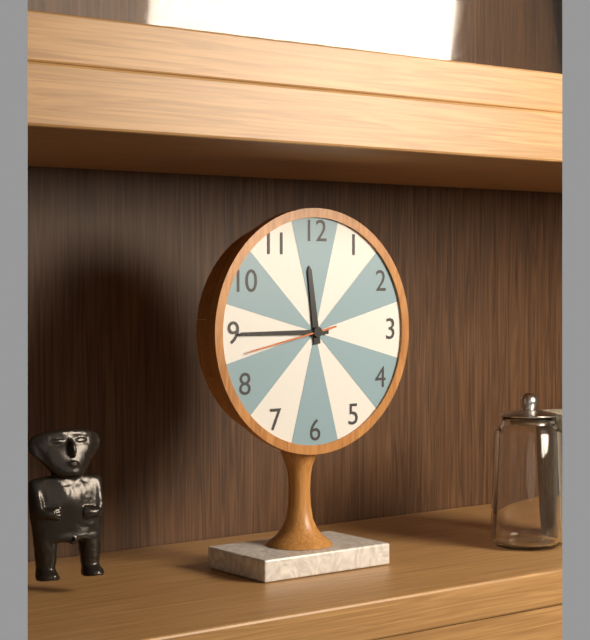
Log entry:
11 h 45 min 43 s
